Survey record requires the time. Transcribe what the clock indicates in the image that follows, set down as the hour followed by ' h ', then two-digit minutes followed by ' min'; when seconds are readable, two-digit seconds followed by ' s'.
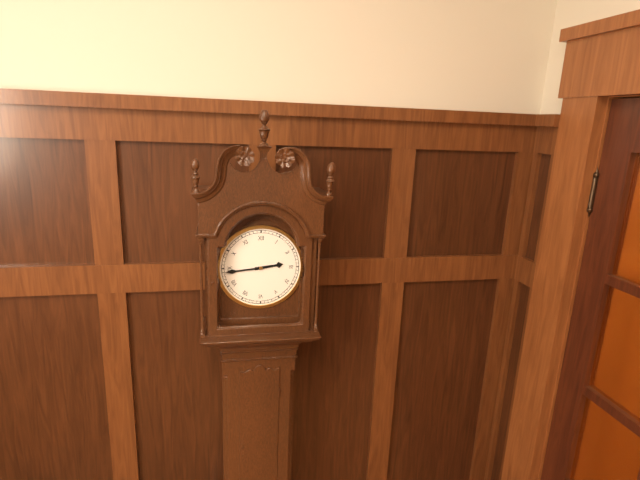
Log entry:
2 h 44 min
